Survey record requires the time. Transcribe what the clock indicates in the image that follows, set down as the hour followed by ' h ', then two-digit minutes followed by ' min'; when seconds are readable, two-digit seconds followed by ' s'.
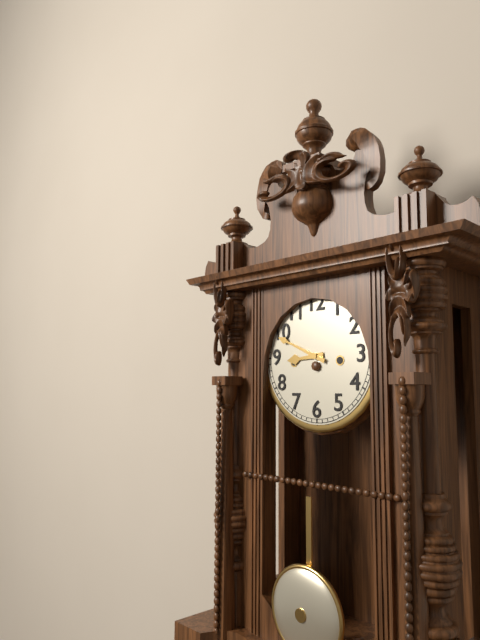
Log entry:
8 h 49 min
